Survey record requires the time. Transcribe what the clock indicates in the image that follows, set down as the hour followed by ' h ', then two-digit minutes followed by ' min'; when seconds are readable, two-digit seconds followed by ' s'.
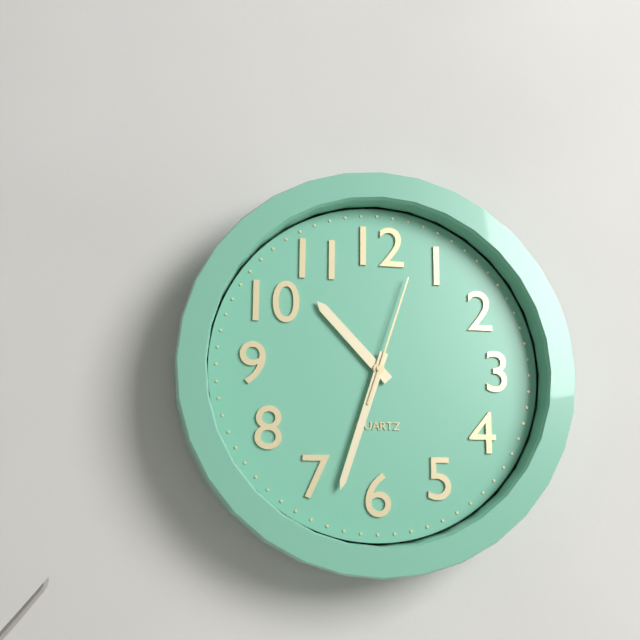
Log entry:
10 h 33 min 03 s
